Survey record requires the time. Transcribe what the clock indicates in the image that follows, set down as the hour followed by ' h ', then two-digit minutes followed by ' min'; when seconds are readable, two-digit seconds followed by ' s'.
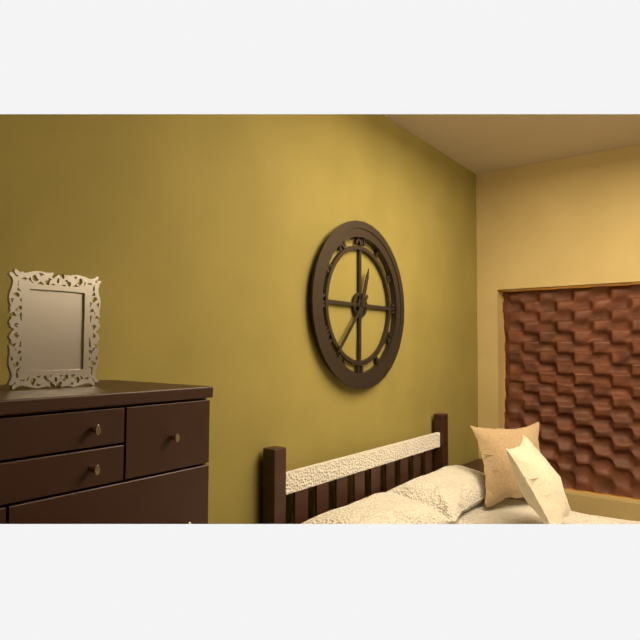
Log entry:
12 h 37 min
